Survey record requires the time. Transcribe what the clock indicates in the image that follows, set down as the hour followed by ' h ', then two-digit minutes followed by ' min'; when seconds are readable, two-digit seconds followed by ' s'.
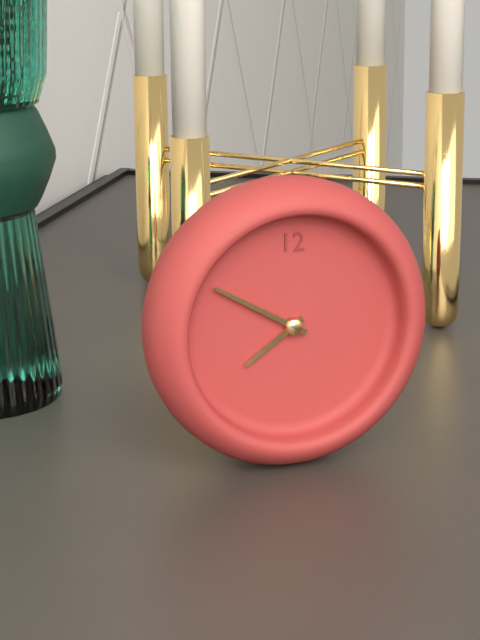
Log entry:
7 h 50 min
